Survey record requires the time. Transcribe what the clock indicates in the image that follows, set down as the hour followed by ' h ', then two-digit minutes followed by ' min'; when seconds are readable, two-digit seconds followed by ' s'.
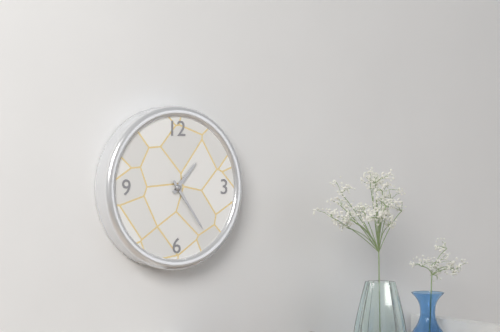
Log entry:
1 h 24 min
